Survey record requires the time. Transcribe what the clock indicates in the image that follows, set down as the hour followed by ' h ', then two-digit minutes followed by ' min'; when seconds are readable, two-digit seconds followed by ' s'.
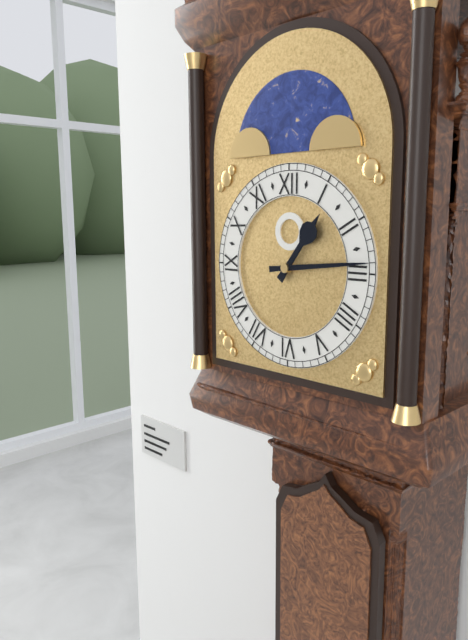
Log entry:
1 h 14 min
